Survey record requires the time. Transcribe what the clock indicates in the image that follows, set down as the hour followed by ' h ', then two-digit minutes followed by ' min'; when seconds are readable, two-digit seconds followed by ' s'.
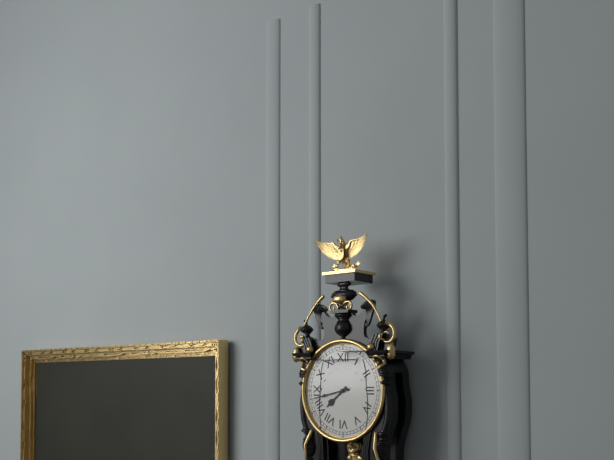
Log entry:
7 h 43 min
